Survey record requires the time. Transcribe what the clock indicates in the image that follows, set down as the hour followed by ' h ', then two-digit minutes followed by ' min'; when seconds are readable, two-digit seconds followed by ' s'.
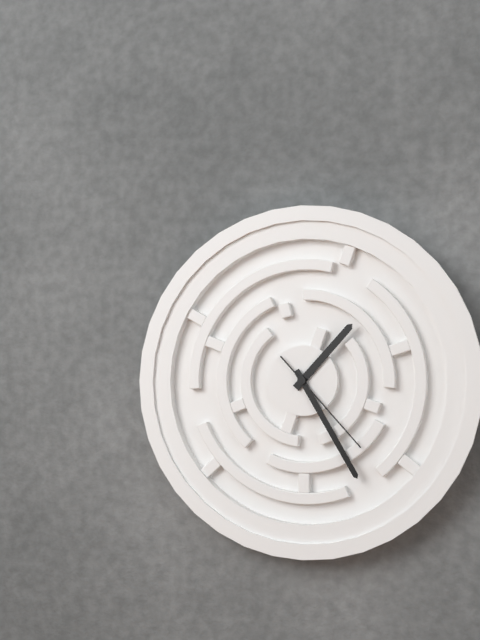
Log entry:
1 h 25 min 23 s
